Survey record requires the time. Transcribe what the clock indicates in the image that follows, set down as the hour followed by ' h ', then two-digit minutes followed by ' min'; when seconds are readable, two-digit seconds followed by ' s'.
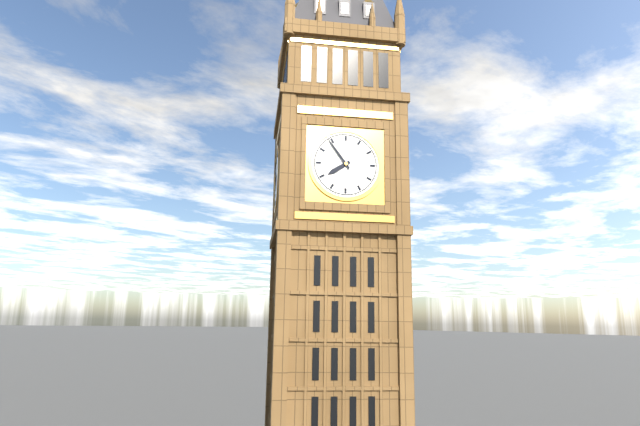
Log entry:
7 h 54 min
